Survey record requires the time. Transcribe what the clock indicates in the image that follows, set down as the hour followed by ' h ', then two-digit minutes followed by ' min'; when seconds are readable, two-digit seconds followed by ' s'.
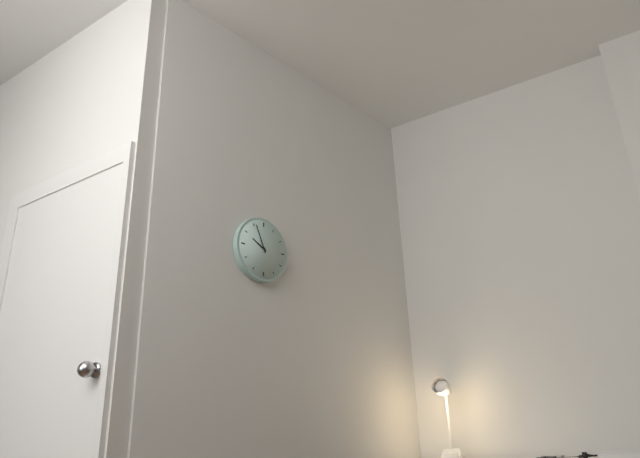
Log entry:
9 h 56 min
